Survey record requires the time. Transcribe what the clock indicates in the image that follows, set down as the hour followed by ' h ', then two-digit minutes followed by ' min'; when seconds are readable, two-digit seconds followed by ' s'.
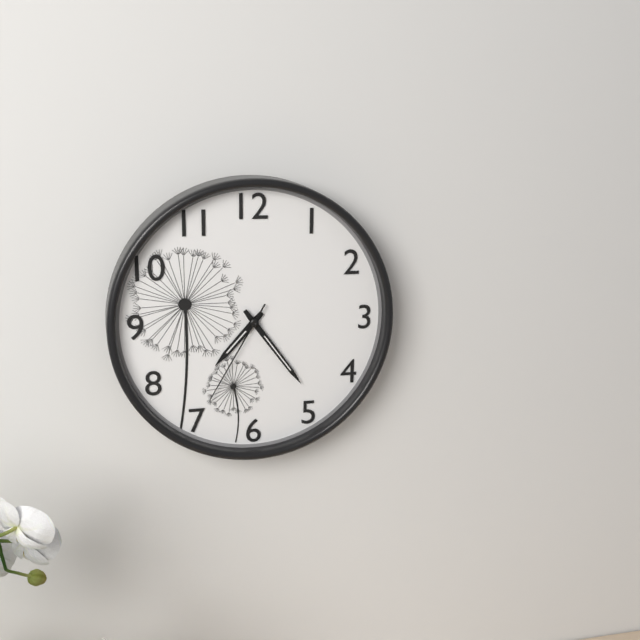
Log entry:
7 h 24 min 35 s
